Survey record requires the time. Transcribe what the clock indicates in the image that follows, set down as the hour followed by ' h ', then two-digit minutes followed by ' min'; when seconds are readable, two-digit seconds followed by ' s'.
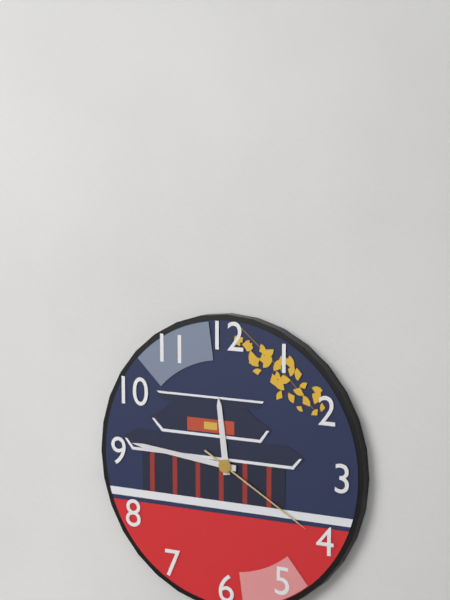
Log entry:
11 h 46 min 20 s
